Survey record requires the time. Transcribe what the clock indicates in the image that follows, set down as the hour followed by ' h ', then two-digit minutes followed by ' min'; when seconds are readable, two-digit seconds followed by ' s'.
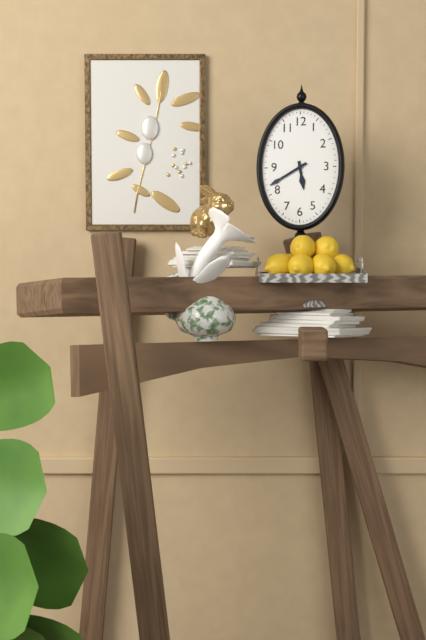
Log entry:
5 h 40 min
